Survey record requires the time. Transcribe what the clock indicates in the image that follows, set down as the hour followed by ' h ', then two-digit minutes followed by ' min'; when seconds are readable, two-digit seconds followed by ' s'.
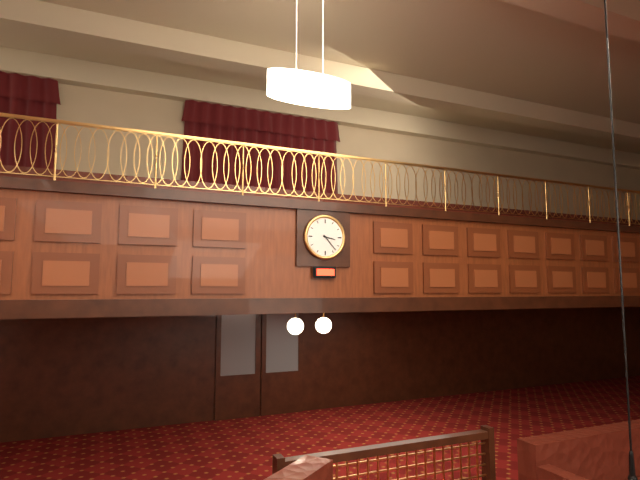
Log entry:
3 h 23 min
